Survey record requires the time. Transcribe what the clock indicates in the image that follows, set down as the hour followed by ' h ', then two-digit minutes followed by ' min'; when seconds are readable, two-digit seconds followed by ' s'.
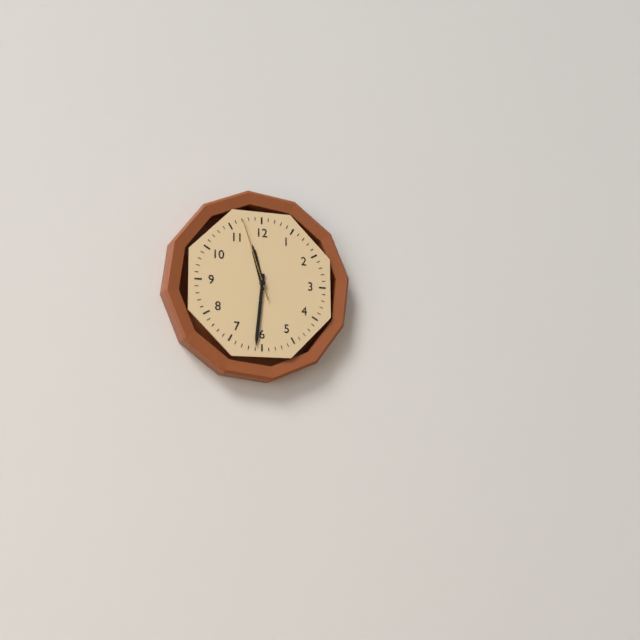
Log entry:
11 h 31 min 57 s
